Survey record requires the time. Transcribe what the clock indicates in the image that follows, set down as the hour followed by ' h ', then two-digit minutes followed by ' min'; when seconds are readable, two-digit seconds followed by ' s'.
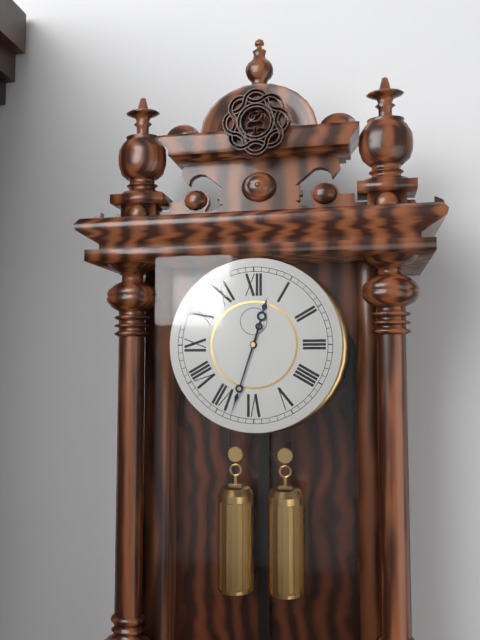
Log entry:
12 h 33 min
